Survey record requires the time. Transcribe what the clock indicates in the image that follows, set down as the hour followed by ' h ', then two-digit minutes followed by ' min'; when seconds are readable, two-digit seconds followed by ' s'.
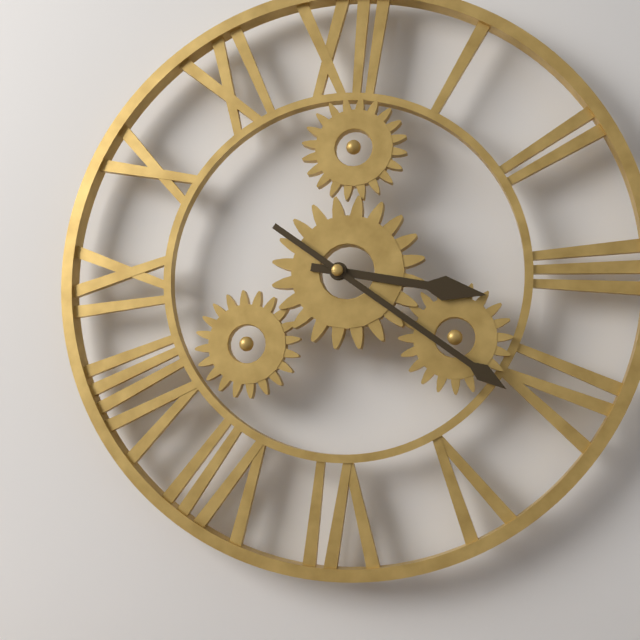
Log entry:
3 h 21 min
